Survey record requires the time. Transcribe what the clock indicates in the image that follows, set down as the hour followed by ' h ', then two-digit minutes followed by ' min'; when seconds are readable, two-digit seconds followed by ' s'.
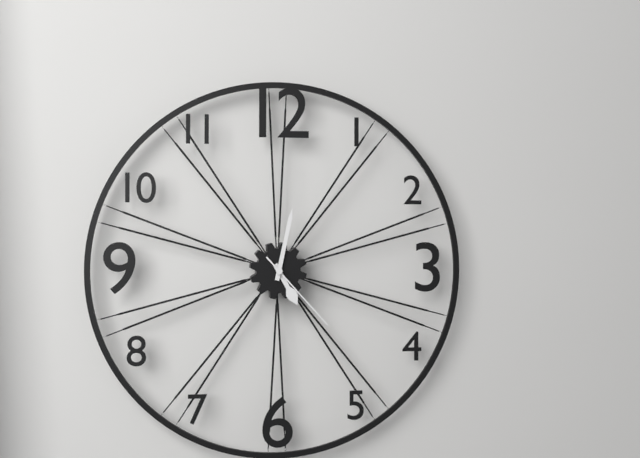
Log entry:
5 h 02 min 23 s
